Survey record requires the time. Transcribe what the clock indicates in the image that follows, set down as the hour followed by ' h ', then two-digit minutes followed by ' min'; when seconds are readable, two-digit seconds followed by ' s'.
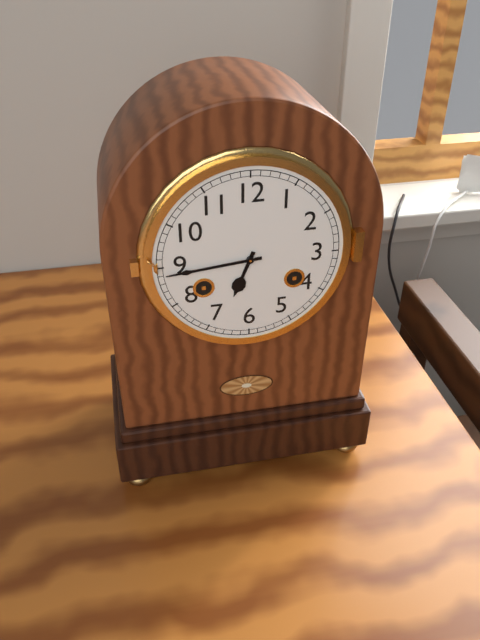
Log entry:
6 h 44 min
